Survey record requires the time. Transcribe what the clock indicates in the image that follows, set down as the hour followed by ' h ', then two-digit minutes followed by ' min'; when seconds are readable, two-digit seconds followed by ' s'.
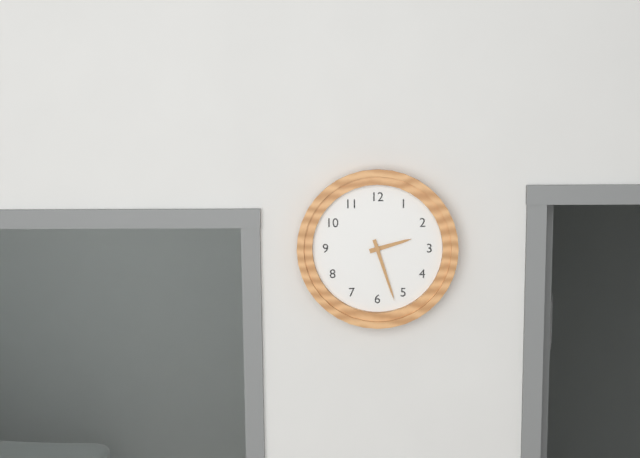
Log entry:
2 h 27 min
